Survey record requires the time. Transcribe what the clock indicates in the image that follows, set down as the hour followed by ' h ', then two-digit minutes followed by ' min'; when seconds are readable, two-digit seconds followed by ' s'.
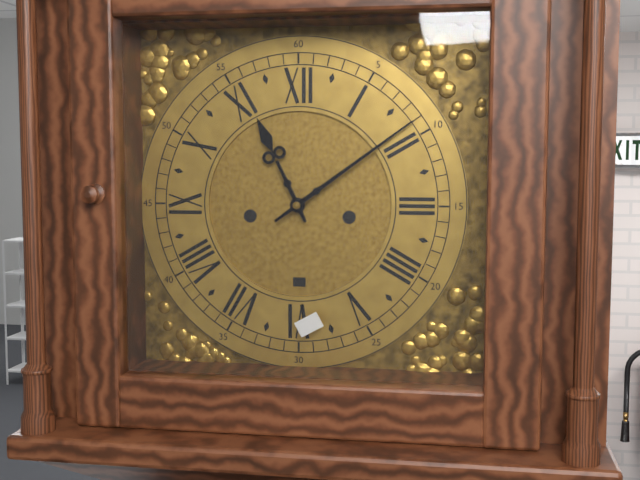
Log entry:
11 h 09 min
